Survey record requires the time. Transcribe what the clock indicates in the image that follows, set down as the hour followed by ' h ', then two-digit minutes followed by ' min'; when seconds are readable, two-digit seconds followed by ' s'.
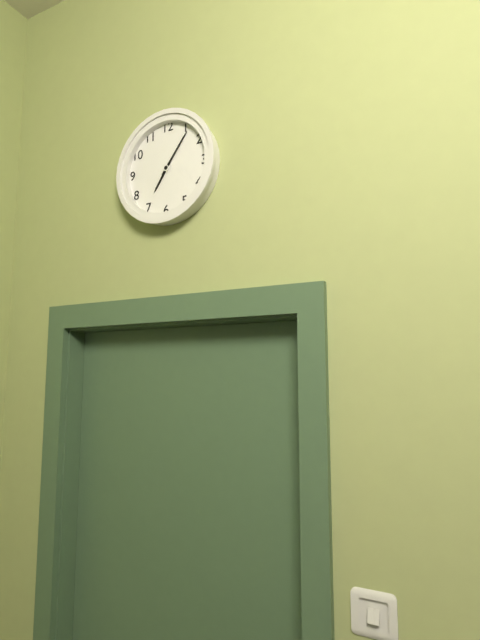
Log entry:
7 h 06 min
